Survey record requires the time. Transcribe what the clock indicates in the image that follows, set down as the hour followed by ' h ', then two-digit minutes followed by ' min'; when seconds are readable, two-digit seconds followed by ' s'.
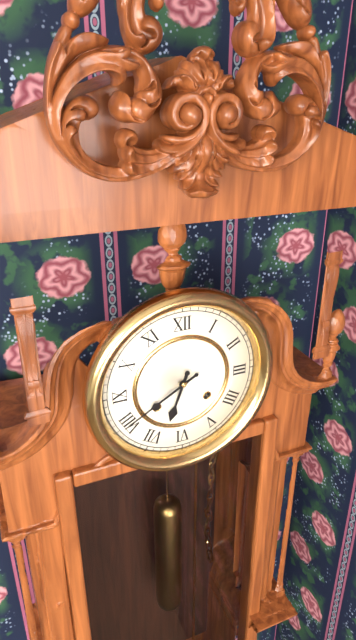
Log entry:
6 h 40 min
